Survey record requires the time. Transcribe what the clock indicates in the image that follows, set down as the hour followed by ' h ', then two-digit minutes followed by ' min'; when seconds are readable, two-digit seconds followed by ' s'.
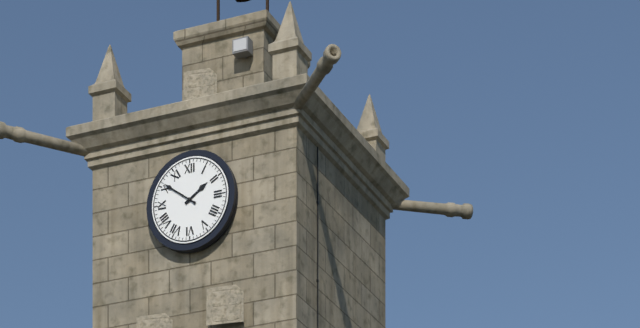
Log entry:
1 h 51 min
